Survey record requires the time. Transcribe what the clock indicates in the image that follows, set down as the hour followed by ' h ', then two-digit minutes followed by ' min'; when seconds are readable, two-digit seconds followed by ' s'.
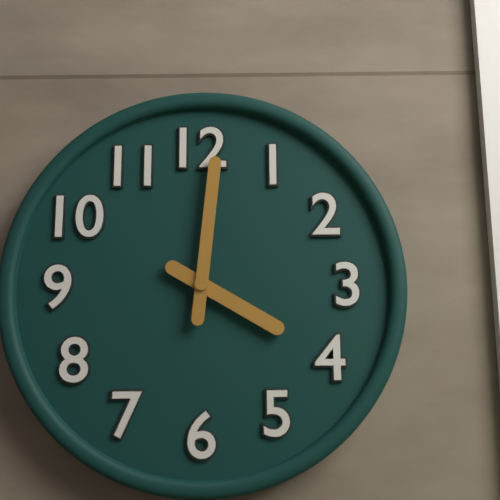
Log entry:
4 h 01 min
